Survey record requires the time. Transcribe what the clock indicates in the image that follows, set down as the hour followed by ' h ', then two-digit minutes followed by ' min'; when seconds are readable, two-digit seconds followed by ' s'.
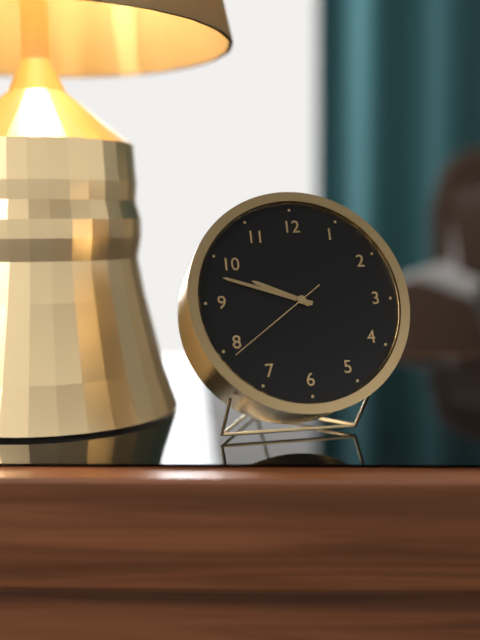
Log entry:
9 h 48 min 39 s
